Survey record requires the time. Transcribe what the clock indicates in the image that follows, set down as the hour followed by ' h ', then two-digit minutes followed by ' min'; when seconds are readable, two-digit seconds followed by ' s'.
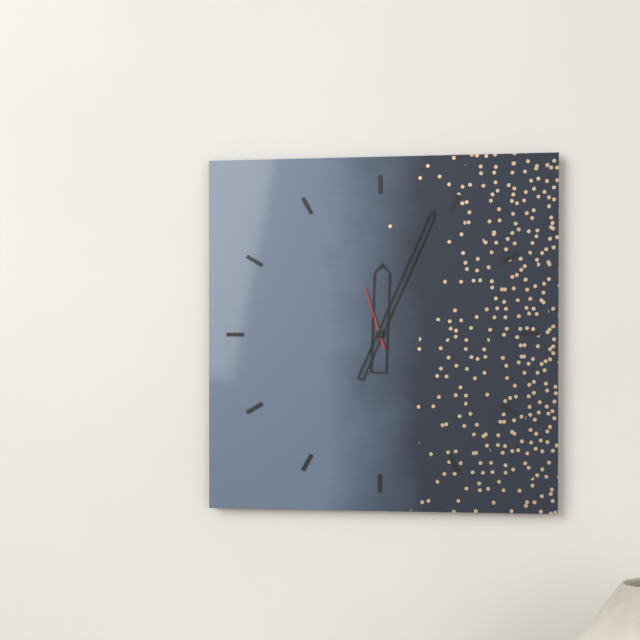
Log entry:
12 h 04 min 57 s
